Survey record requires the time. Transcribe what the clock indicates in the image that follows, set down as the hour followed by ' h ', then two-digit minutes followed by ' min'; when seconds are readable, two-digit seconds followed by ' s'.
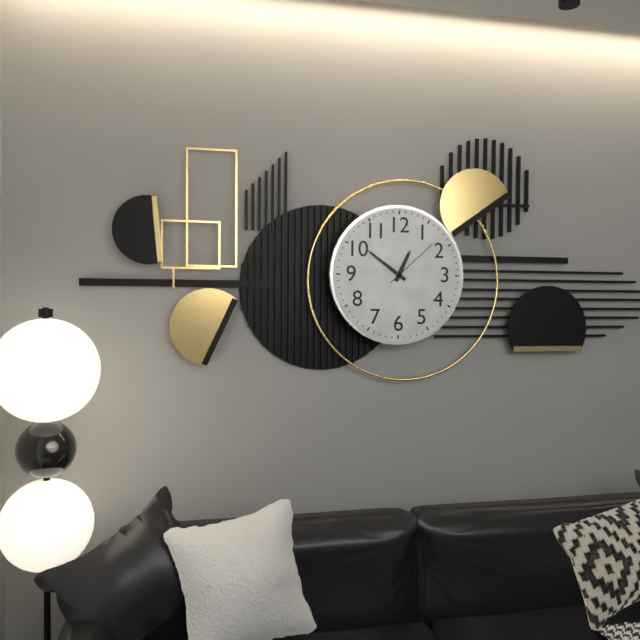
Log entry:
12 h 51 min 08 s
